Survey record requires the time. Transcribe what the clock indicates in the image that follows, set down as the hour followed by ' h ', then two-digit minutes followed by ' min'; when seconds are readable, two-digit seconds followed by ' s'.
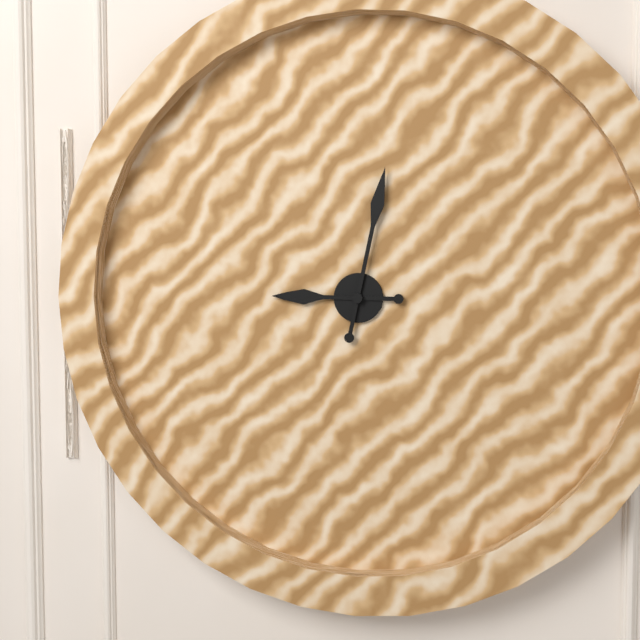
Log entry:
9 h 02 min
